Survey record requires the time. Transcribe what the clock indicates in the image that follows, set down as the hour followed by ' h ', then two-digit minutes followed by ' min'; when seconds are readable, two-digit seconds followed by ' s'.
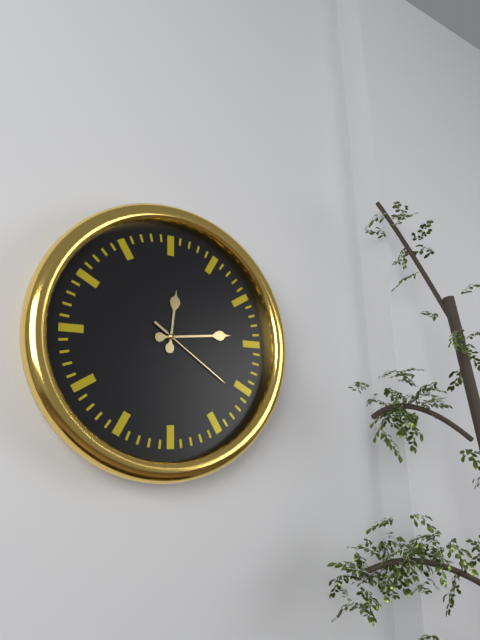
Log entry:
12 h 14 min 21 s
